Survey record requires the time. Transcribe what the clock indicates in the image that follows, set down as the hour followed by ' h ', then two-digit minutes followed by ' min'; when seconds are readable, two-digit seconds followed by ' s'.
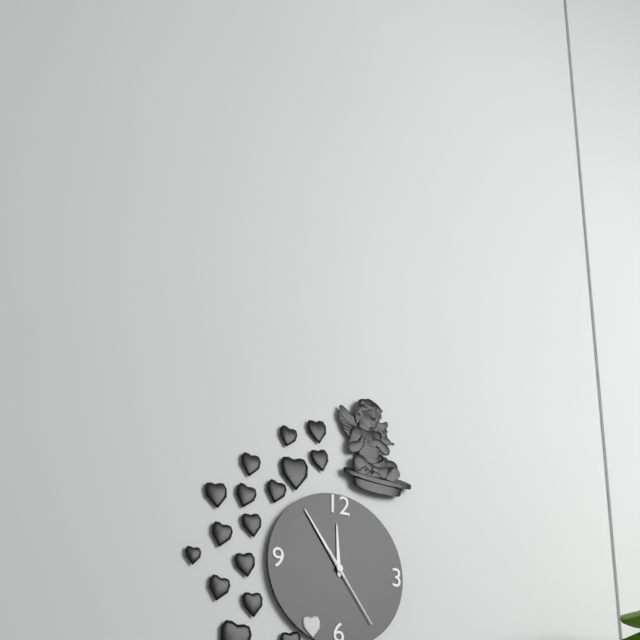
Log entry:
11 h 54 min 24 s
